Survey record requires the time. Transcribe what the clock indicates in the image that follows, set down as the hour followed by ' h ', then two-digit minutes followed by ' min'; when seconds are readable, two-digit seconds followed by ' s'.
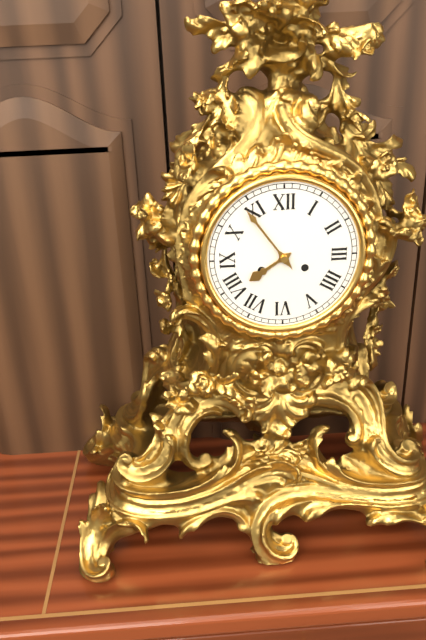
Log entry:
7 h 54 min
